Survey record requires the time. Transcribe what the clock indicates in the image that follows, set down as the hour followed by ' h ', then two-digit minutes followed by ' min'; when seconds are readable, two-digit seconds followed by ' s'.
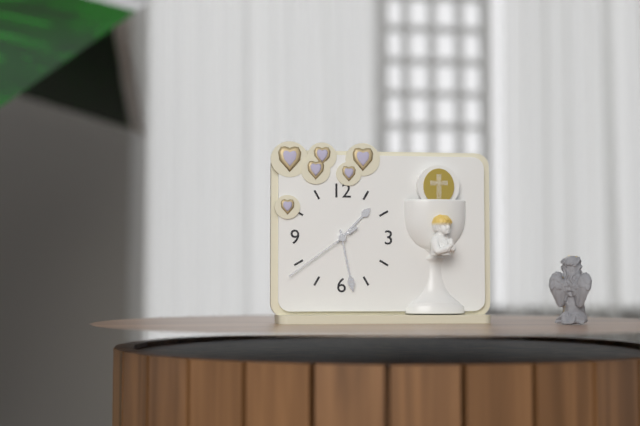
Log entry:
1 h 28 min 39 s
